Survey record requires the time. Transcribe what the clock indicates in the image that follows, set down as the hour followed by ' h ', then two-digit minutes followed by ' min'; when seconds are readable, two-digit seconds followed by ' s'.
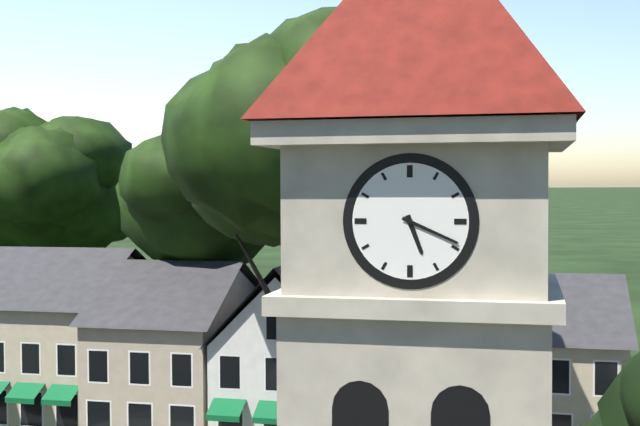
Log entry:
5 h 19 min
